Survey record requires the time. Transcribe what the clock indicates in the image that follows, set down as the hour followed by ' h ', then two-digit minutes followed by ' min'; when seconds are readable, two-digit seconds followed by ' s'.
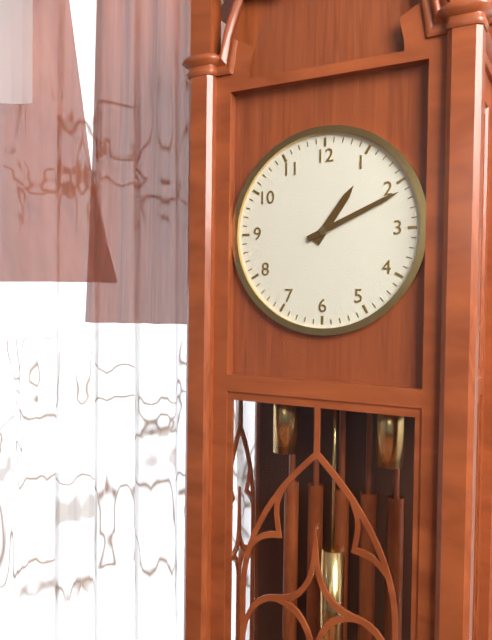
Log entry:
1 h 11 min
